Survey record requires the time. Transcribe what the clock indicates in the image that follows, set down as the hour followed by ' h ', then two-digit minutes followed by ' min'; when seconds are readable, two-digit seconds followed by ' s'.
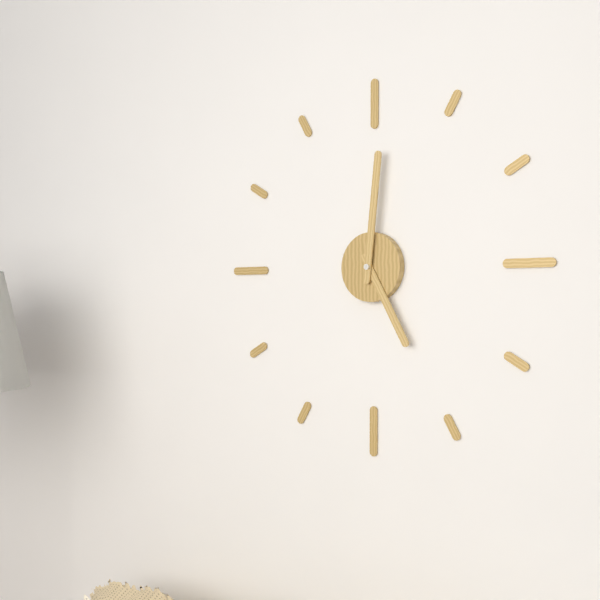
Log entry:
5 h 01 min
